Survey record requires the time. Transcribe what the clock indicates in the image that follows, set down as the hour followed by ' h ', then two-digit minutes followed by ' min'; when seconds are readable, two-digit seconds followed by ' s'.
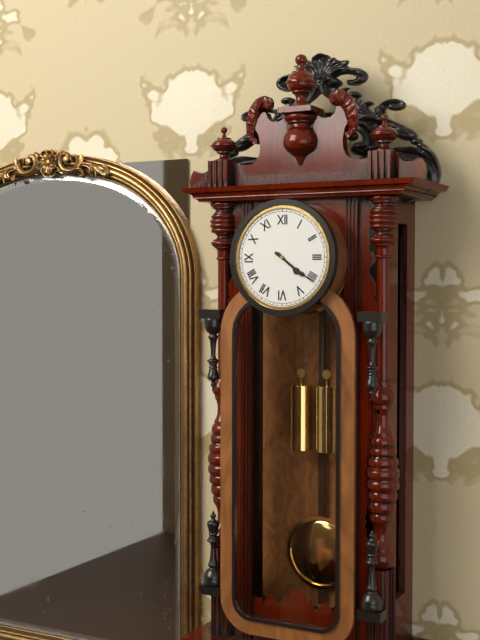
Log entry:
4 h 21 min
